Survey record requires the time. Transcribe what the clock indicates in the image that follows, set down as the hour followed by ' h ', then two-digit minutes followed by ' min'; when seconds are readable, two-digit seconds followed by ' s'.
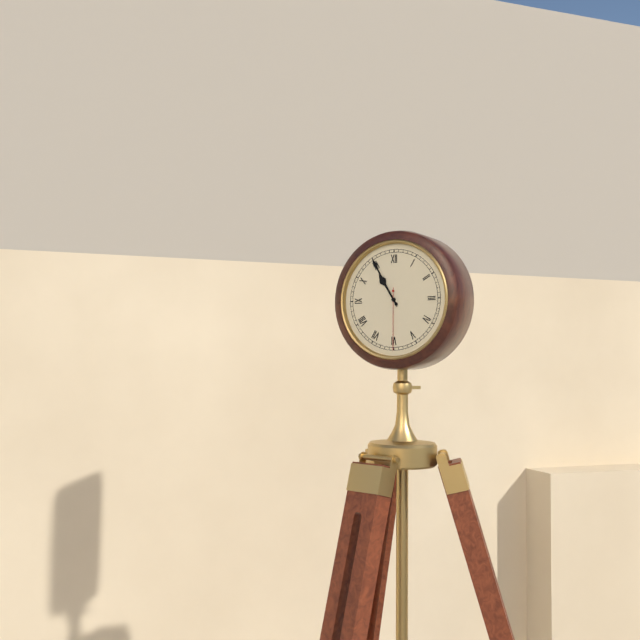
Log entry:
10 h 55 min 30 s
